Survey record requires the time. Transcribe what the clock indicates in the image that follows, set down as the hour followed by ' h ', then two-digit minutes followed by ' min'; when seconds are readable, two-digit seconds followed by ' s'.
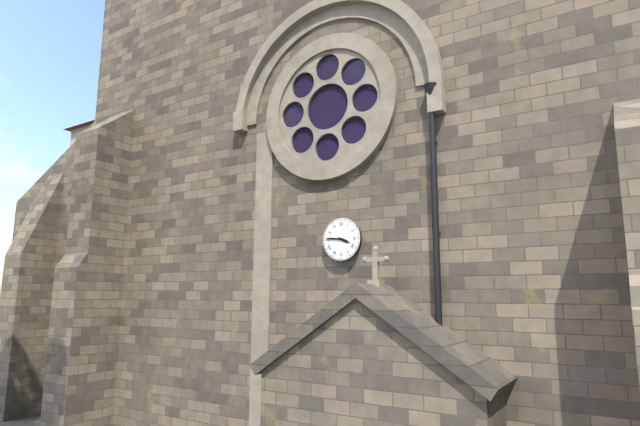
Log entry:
3 h 46 min
